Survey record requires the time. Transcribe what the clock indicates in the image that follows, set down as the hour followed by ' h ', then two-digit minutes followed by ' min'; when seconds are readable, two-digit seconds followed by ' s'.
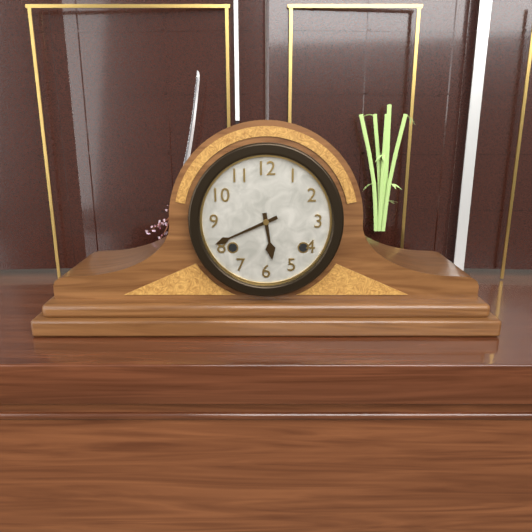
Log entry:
5 h 41 min
